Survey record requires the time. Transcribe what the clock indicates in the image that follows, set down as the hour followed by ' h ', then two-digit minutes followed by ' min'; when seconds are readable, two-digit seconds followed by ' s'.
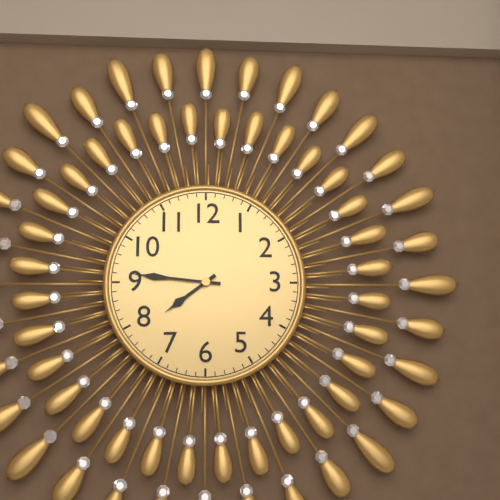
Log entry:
7 h 46 min
